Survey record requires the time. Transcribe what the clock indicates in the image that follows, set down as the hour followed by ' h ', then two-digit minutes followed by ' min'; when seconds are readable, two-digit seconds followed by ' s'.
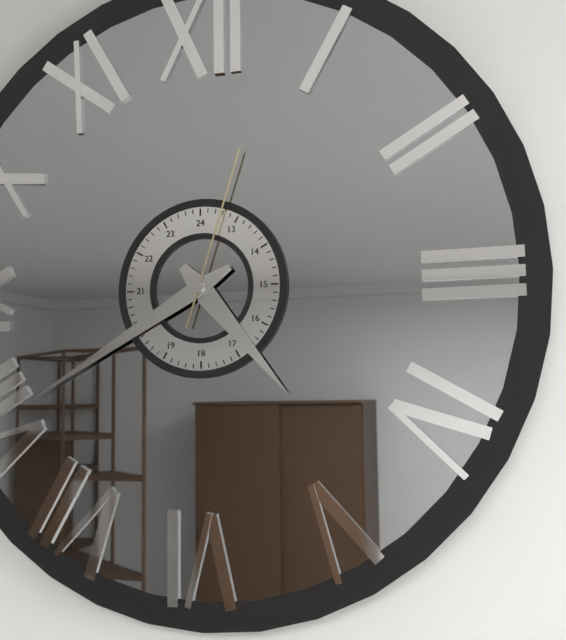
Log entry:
4 h 40 min 03 s
